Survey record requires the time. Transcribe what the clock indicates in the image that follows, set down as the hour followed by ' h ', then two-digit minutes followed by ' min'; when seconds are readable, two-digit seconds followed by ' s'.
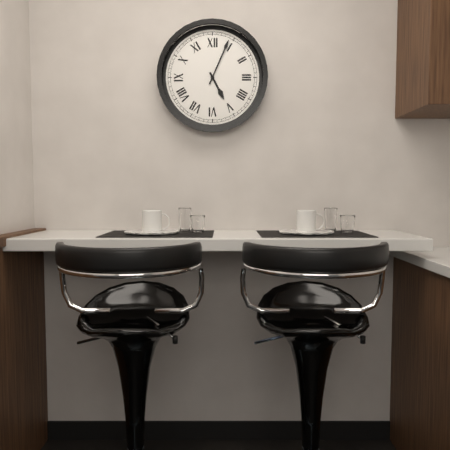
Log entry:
5 h 04 min
